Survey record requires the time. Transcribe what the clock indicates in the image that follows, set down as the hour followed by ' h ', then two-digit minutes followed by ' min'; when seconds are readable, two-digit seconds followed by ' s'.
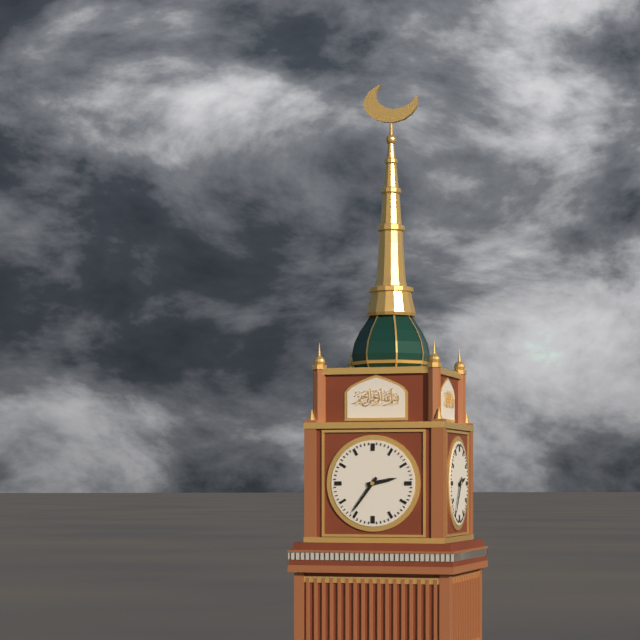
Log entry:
2 h 36 min
